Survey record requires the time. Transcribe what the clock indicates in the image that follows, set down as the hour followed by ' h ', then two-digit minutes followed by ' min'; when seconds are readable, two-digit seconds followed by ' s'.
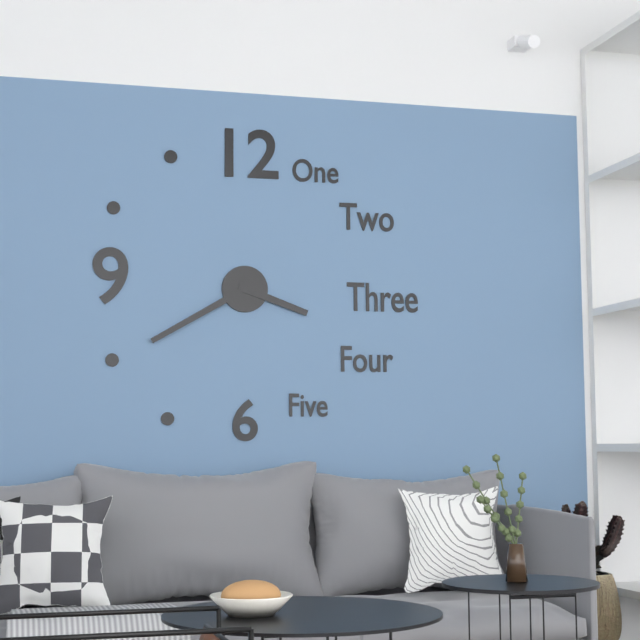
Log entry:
3 h 40 min
